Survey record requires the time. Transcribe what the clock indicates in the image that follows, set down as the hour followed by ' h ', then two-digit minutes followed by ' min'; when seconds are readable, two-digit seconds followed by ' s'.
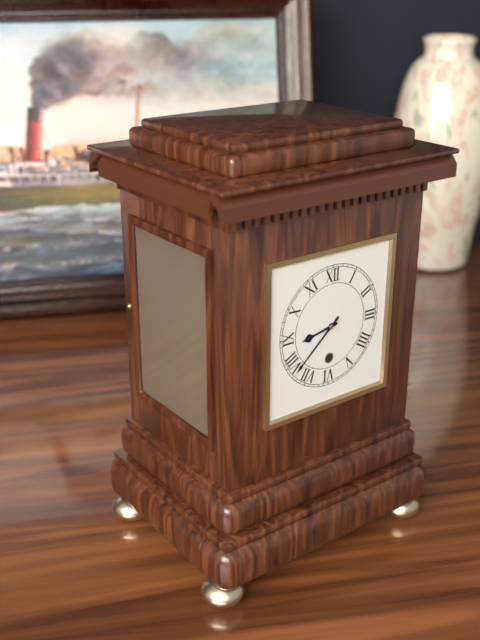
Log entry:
8 h 38 min
